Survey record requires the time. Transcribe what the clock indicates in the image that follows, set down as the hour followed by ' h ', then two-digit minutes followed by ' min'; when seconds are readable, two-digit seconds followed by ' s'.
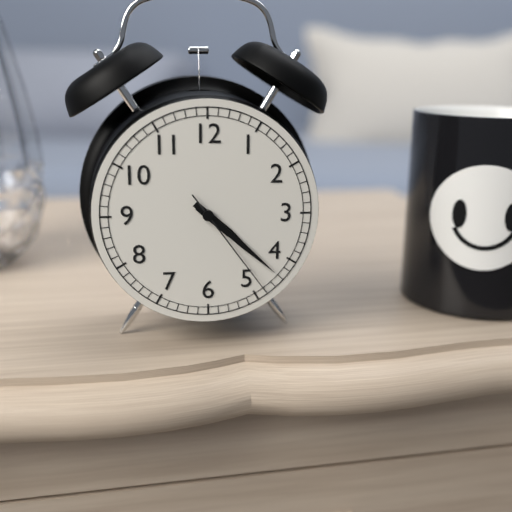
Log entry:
4 h 22 min 24 s
